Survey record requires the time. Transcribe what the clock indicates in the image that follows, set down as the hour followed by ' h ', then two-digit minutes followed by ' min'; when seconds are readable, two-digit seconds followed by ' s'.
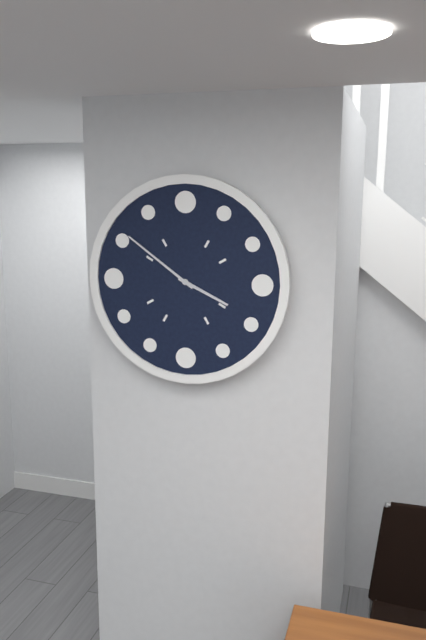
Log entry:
3 h 51 min
